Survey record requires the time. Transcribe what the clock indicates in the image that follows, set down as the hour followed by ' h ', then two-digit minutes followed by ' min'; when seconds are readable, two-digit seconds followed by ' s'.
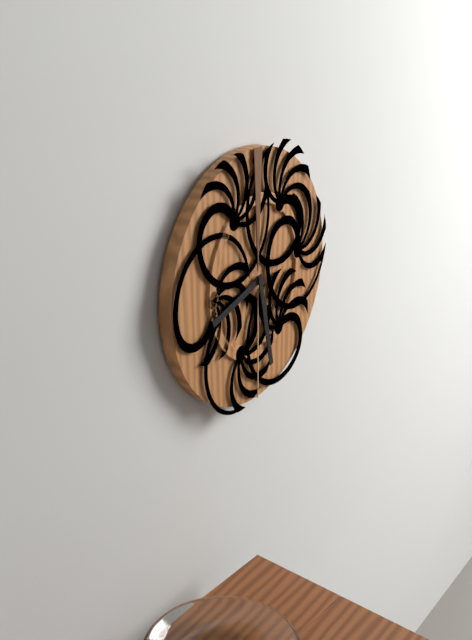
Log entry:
8 h 28 min
